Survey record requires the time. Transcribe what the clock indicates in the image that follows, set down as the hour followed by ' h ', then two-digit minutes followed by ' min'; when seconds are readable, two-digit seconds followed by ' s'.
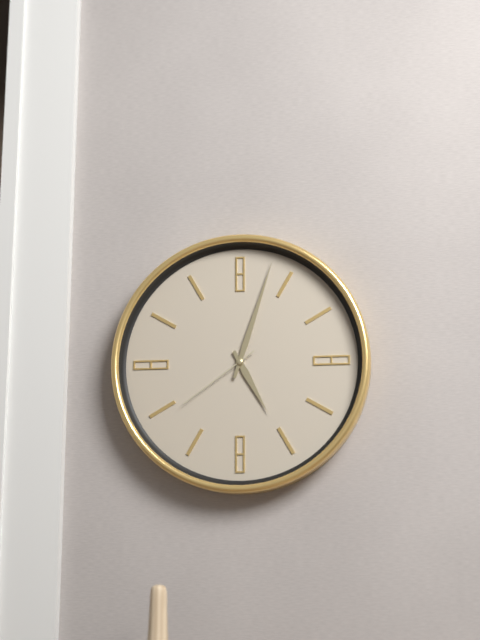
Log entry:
5 h 03 min 39 s
